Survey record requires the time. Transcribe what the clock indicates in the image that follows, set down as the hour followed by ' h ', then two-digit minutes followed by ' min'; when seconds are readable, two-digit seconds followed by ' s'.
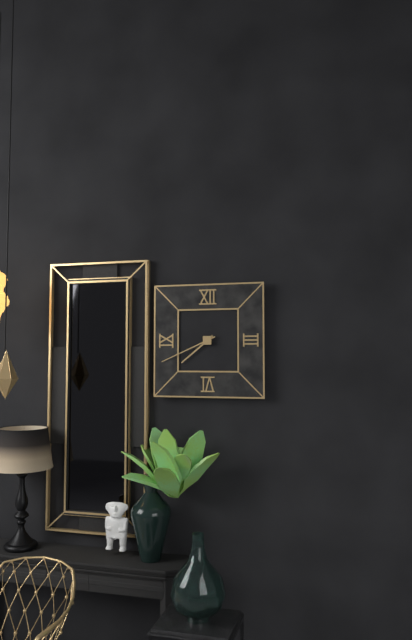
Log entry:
7 h 41 min
